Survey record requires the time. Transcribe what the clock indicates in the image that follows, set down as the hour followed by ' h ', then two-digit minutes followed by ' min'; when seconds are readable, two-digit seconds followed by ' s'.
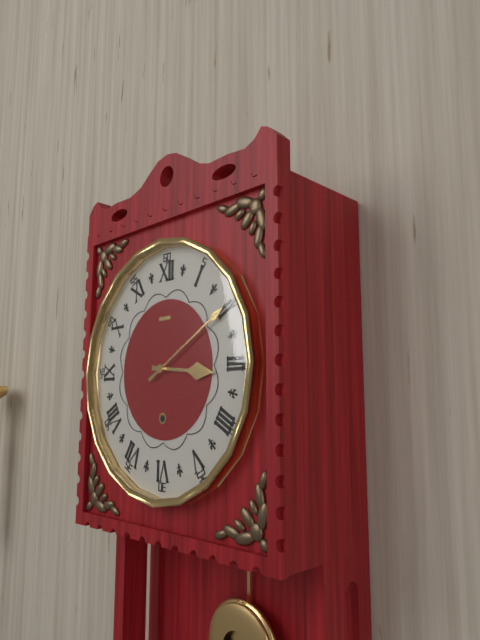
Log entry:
3 h 10 min
